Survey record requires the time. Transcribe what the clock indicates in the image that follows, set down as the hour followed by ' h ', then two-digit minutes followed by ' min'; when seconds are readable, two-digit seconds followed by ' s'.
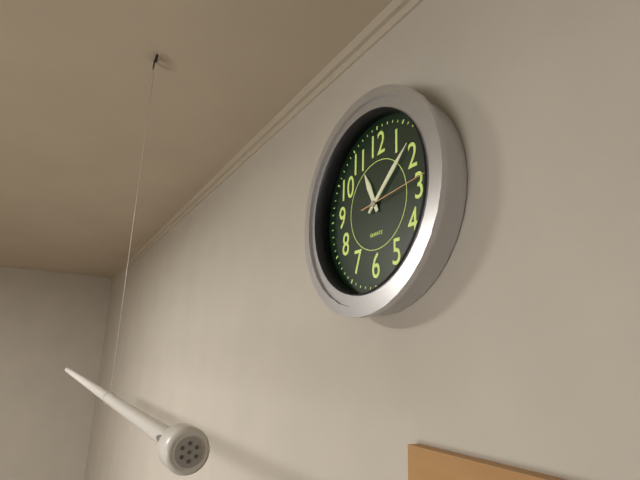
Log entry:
11 h 08 min 14 s
